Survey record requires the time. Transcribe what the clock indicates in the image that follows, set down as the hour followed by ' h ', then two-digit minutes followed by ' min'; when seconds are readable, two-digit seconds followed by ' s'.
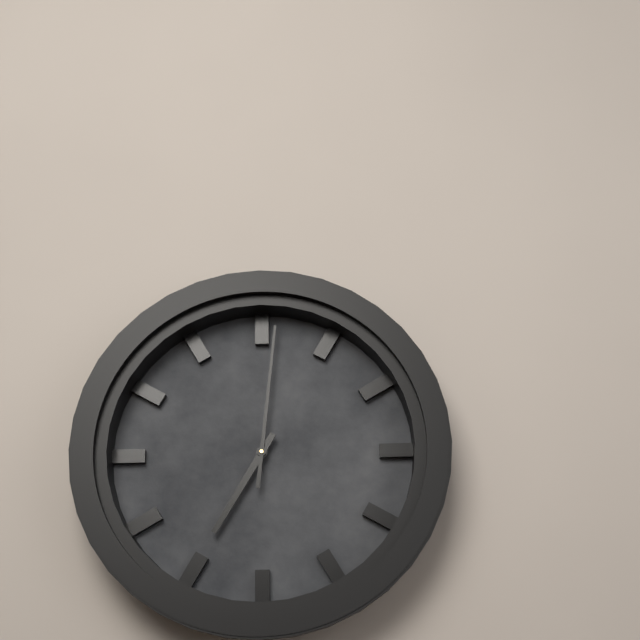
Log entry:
7 h 01 min
